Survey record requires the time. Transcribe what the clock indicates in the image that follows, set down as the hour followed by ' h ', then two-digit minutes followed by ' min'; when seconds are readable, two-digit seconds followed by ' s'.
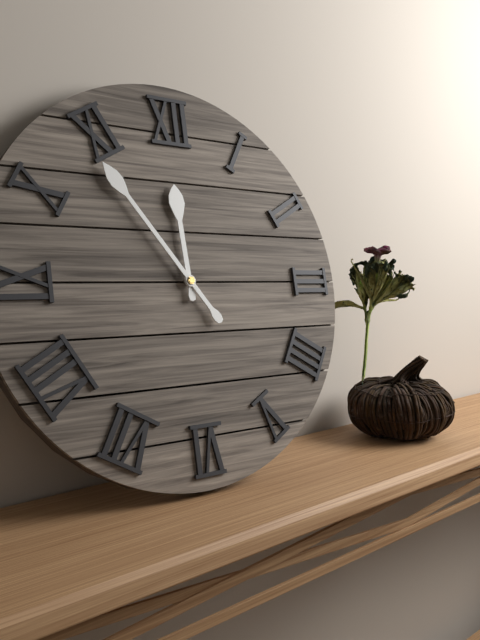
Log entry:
11 h 54 min
